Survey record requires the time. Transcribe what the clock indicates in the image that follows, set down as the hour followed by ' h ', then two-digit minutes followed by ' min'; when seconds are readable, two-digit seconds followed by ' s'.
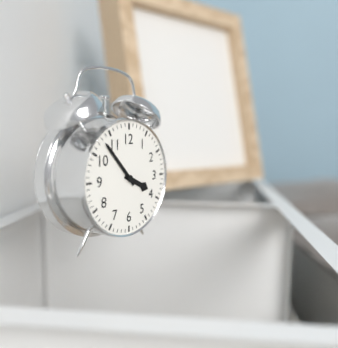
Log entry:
3 h 53 min
